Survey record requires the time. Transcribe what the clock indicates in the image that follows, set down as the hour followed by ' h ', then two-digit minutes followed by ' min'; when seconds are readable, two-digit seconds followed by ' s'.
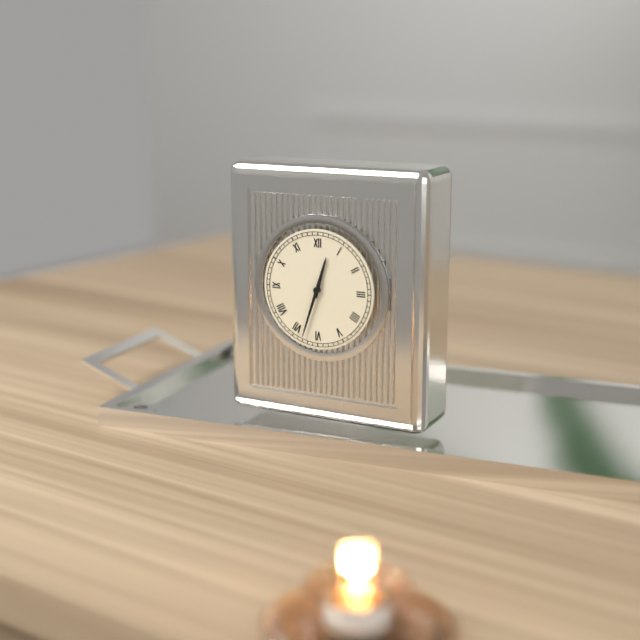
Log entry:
12 h 33 min
